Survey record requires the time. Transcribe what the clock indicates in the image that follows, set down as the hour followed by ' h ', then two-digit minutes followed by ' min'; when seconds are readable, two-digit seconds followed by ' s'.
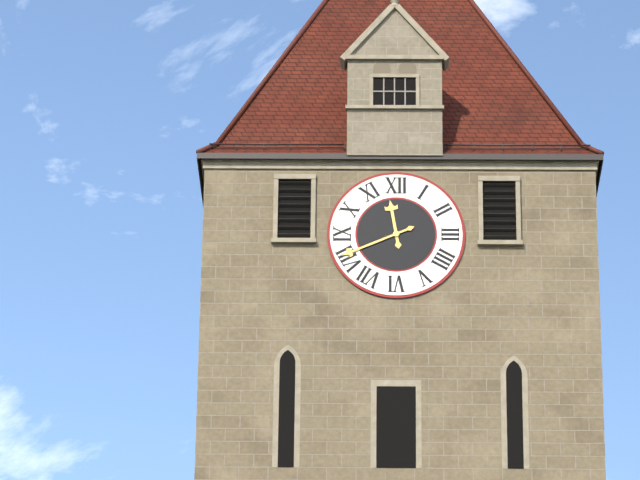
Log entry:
11 h 41 min
